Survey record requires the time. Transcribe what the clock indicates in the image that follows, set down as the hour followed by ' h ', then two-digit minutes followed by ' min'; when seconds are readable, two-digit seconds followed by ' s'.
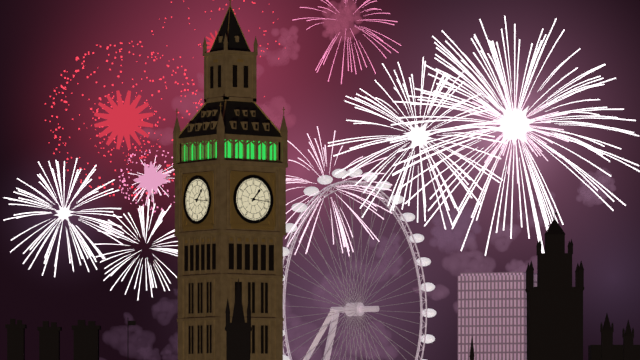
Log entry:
1 h 16 min
